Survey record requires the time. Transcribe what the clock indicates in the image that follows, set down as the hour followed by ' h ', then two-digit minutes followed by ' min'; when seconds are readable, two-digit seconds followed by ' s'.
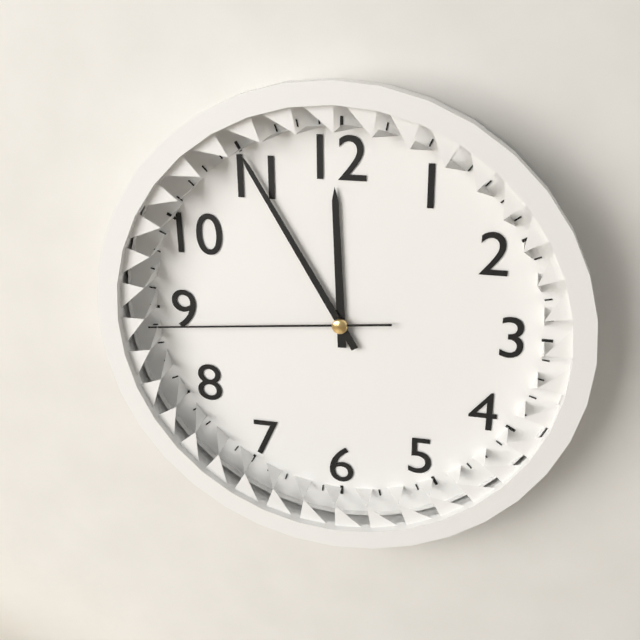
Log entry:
11 h 55 min 44 s
